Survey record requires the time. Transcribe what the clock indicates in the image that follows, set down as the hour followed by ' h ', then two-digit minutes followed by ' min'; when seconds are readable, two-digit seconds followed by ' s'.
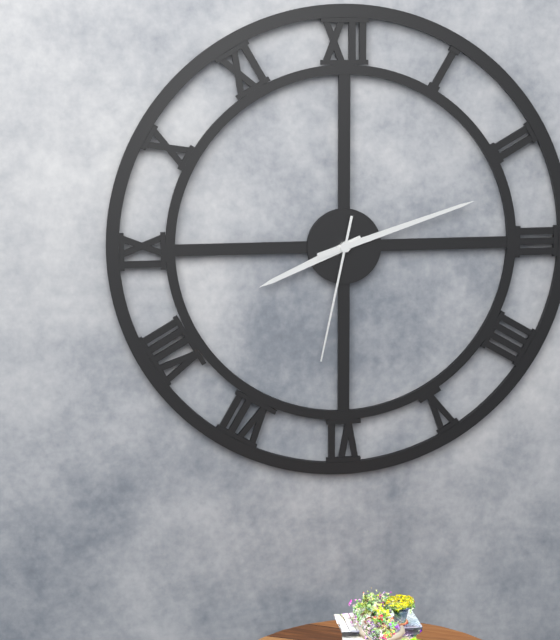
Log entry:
8 h 12 min 32 s
